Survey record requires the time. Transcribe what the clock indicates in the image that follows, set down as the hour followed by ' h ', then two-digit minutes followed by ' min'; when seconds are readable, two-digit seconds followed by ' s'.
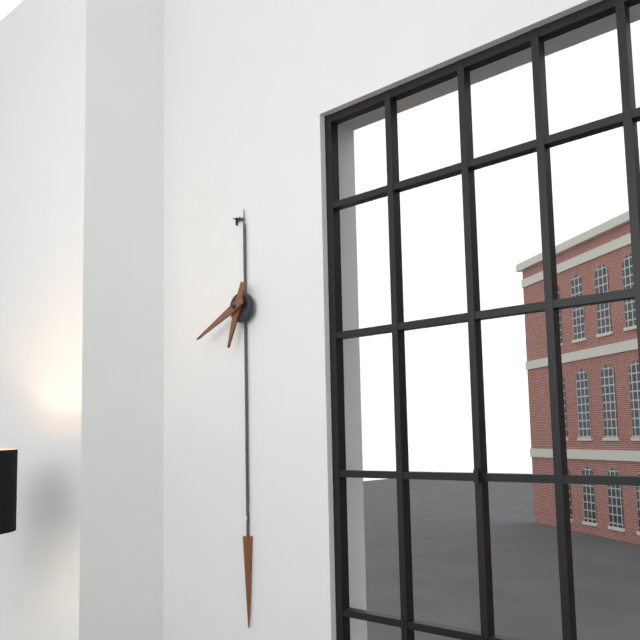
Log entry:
6 h 41 min
